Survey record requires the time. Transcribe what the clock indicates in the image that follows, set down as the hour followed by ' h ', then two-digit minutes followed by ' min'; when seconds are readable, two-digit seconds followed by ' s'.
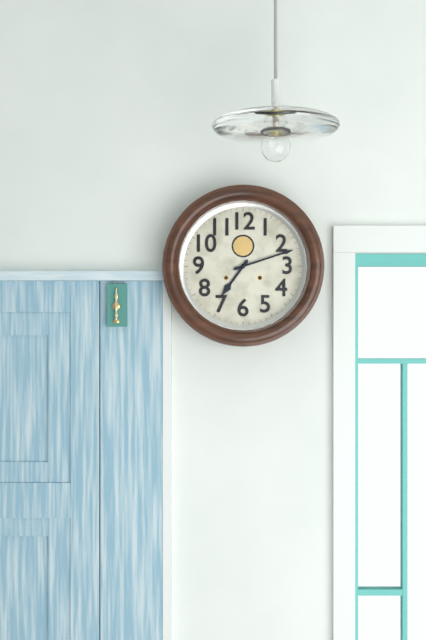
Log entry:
7 h 12 min
